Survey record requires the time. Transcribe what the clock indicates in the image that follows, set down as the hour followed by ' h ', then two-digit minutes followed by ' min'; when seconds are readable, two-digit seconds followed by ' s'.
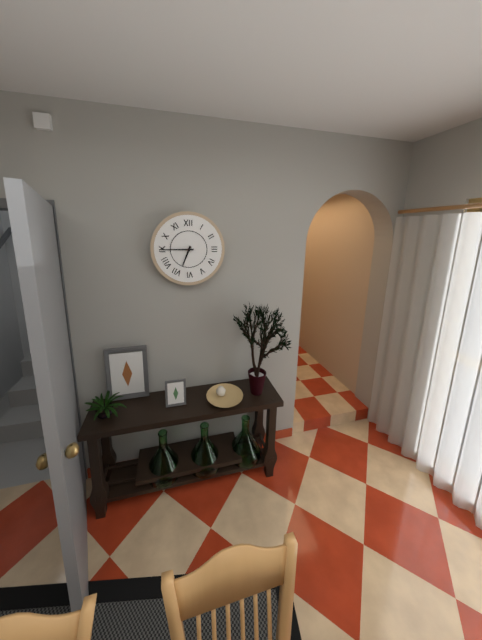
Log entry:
6 h 45 min
